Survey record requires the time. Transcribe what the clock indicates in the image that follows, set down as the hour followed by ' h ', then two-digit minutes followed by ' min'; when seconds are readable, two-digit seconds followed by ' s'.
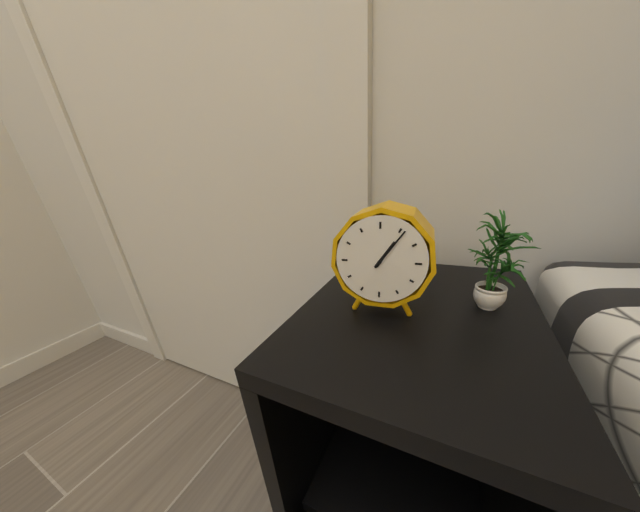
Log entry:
1 h 06 min
